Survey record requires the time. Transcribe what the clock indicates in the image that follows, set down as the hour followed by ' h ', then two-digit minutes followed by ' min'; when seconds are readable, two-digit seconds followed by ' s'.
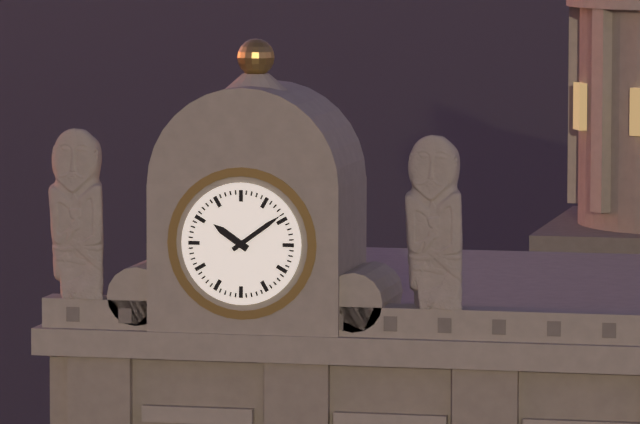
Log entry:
10 h 09 min
